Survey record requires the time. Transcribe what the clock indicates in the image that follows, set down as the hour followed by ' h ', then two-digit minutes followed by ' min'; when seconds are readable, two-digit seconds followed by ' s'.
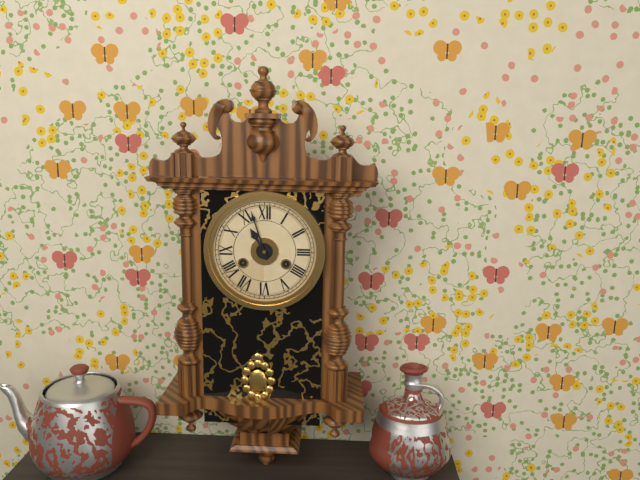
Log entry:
10 h 57 min
